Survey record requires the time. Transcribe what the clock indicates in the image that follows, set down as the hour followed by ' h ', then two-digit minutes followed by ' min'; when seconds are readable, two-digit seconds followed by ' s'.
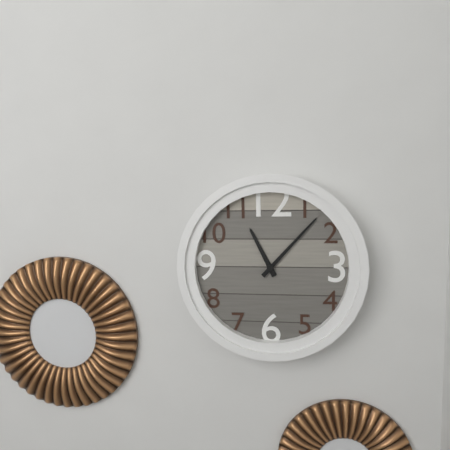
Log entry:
11 h 07 min
